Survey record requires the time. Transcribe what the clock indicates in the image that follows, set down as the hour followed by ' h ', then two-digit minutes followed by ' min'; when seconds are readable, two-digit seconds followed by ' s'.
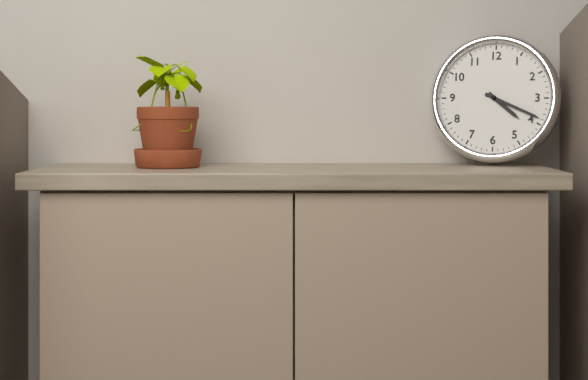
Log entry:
4 h 19 min
